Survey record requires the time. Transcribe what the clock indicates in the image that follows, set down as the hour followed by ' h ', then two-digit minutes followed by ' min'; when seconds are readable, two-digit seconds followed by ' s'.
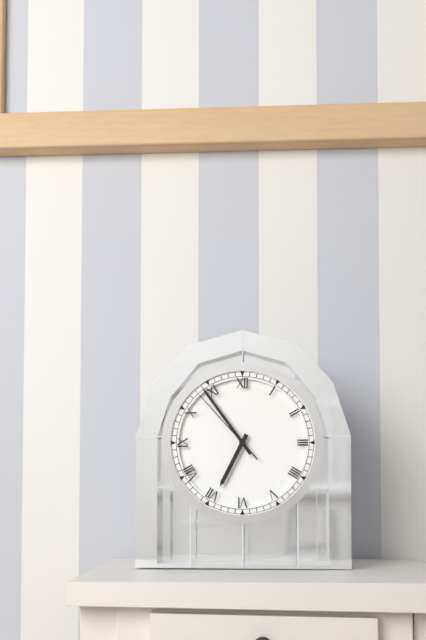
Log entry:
6 h 54 min 53 s
